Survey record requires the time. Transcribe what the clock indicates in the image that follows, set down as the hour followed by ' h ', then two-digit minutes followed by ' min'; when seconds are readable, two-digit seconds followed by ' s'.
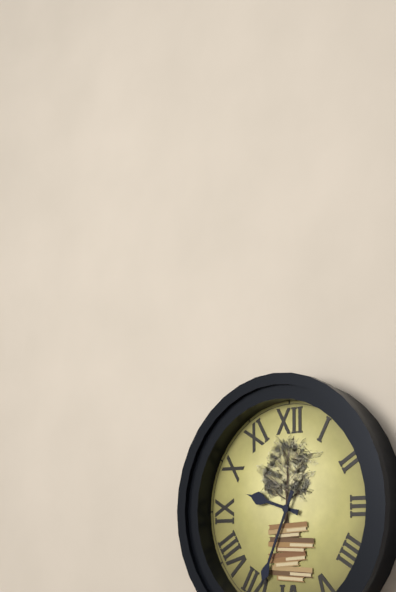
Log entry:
9 h 34 min
